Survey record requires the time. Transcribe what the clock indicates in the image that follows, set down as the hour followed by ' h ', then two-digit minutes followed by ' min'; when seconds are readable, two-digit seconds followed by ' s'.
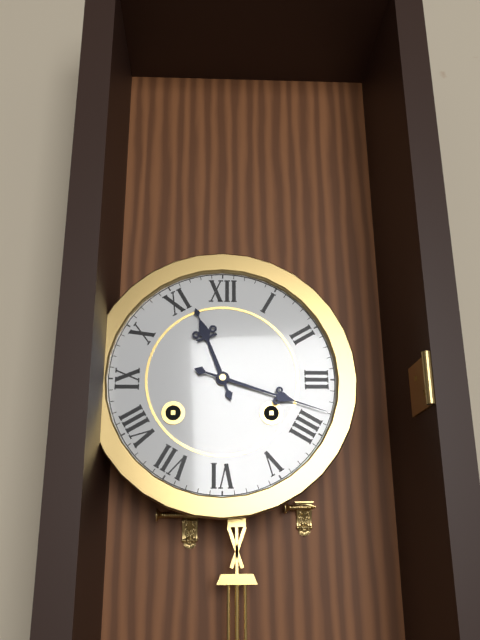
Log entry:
11 h 18 min
